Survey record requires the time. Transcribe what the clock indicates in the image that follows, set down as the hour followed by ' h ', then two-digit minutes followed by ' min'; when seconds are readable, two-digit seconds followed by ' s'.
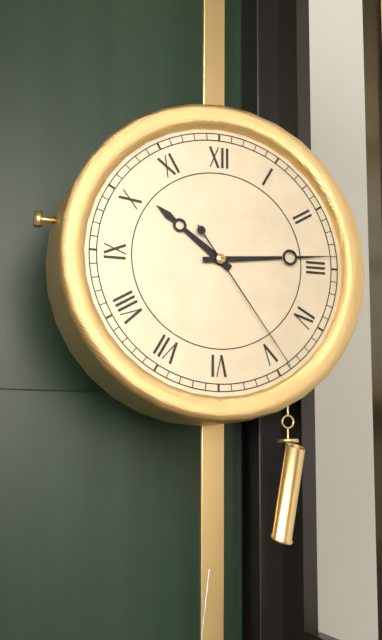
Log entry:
10 h 14 min 24 s
